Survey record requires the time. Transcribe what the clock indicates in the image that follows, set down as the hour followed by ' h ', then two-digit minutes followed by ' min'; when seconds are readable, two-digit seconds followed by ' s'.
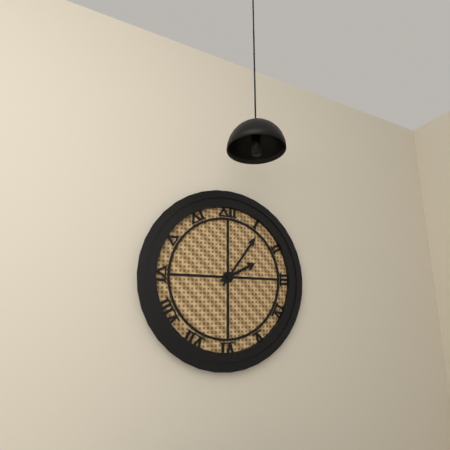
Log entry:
2 h 06 min
